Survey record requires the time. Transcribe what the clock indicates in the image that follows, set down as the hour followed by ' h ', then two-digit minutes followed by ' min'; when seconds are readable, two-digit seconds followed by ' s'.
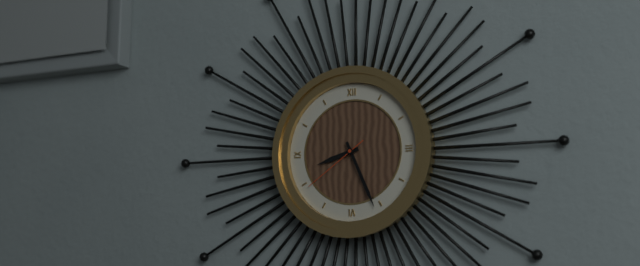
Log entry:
8 h 26 min 39 s
